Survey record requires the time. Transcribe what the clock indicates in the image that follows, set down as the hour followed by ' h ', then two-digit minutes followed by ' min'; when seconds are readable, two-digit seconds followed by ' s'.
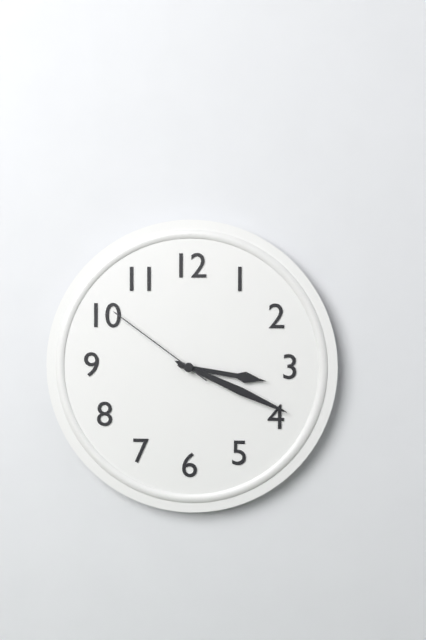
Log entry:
3 h 19 min 51 s
